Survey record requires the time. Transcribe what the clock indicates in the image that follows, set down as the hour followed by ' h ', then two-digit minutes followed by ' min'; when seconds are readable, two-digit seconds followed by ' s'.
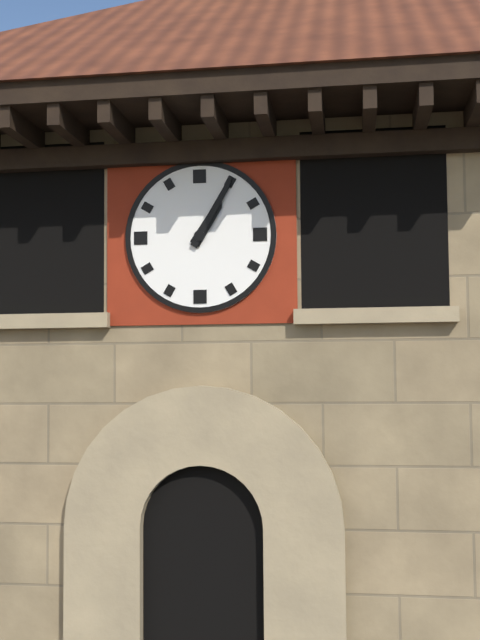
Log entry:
1 h 05 min
